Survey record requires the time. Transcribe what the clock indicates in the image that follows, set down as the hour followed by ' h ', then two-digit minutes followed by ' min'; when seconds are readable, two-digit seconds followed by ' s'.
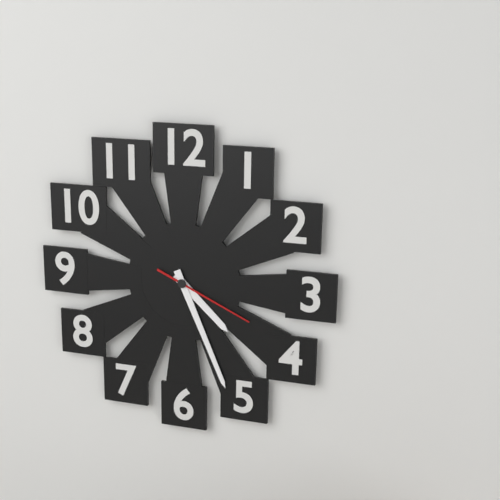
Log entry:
4 h 26 min 19 s
